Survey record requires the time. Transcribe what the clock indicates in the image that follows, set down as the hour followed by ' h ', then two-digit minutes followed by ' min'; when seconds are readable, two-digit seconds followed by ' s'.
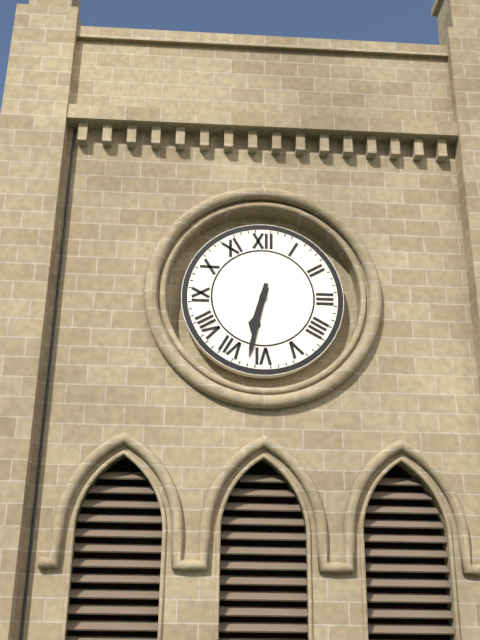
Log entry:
6 h 32 min
